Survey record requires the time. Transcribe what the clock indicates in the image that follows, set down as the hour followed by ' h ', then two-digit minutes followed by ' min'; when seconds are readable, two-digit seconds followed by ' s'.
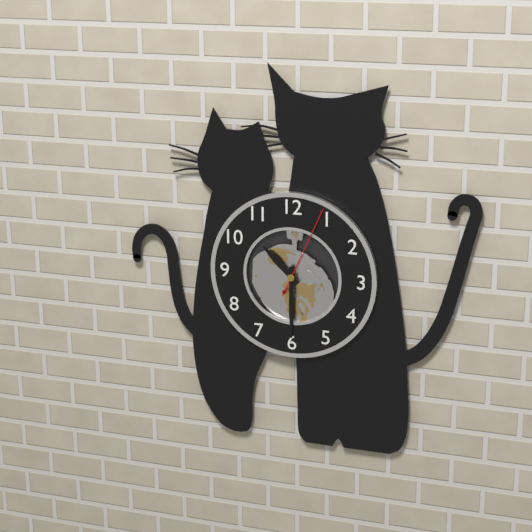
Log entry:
10 h 30 min 04 s
